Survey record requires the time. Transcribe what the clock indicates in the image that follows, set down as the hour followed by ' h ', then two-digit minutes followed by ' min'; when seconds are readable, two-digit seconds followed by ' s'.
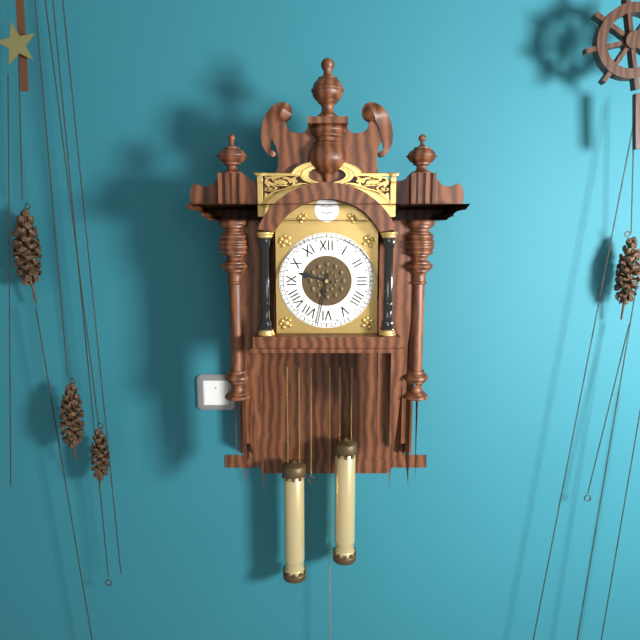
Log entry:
9 h 32 min
